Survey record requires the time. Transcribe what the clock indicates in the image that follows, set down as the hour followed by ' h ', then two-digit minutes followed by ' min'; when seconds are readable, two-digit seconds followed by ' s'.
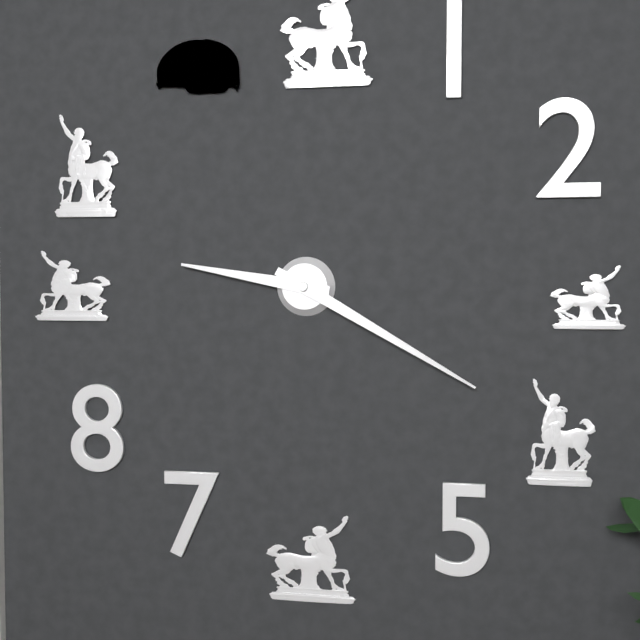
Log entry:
9 h 20 min
